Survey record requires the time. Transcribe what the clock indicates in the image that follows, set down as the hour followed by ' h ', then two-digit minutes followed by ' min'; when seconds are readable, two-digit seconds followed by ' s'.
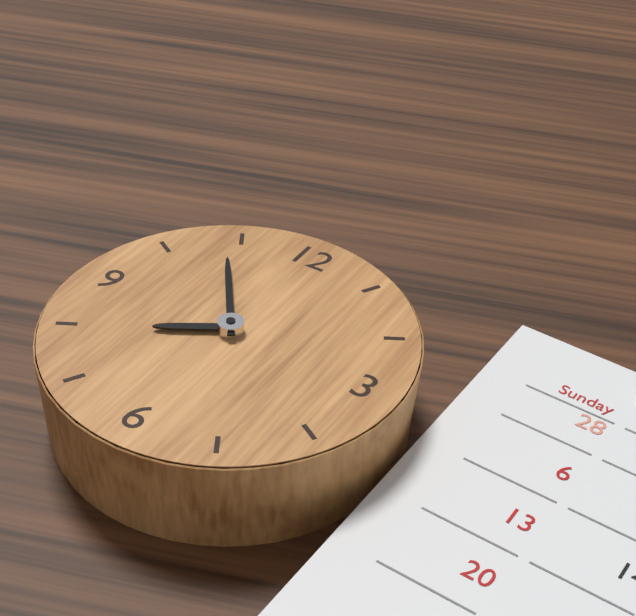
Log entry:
7 h 54 min
